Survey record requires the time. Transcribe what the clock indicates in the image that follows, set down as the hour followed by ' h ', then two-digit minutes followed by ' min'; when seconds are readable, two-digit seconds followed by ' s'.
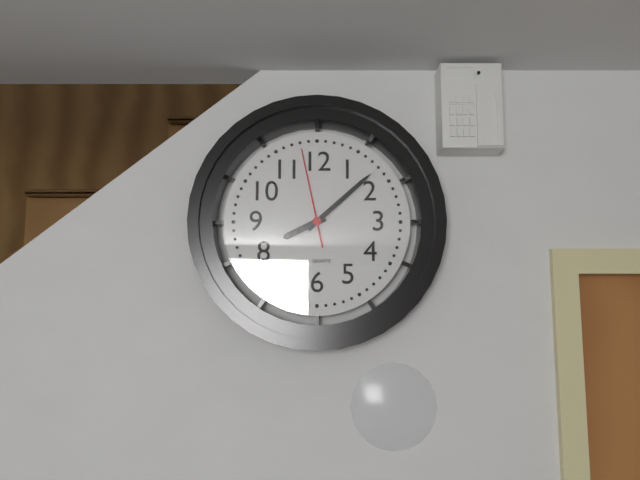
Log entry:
8 h 08 min 58 s
